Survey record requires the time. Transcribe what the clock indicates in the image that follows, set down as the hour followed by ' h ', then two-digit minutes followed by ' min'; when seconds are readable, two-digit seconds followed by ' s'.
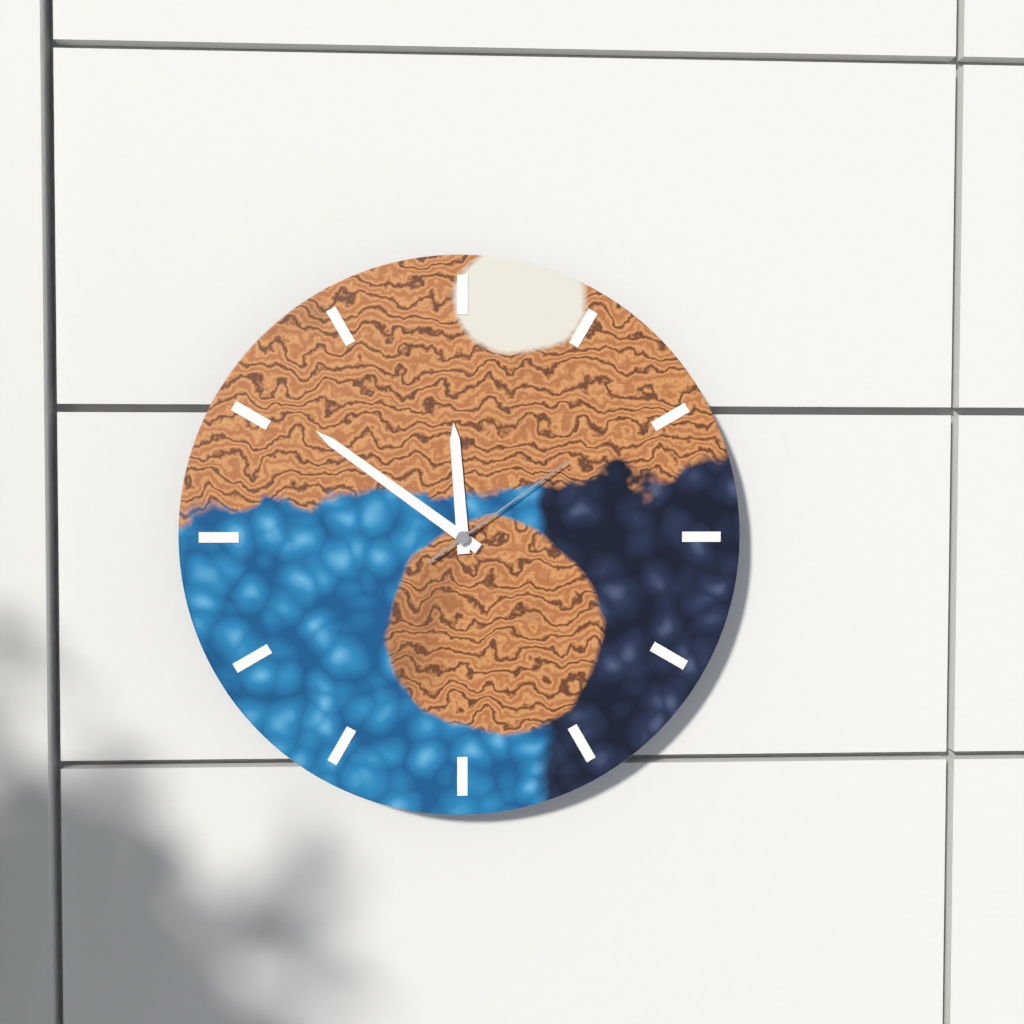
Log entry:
11 h 51 min 09 s
